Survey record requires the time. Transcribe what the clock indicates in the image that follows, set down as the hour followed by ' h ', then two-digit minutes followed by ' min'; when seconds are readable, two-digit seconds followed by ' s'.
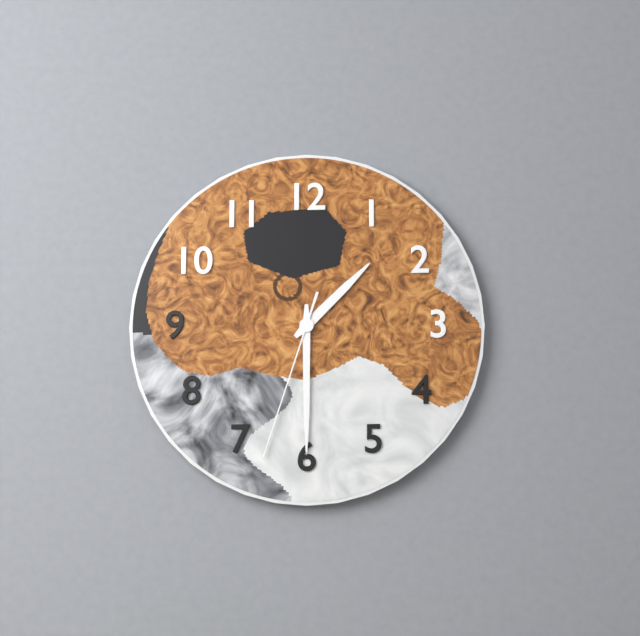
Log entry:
1 h 30 min 33 s
